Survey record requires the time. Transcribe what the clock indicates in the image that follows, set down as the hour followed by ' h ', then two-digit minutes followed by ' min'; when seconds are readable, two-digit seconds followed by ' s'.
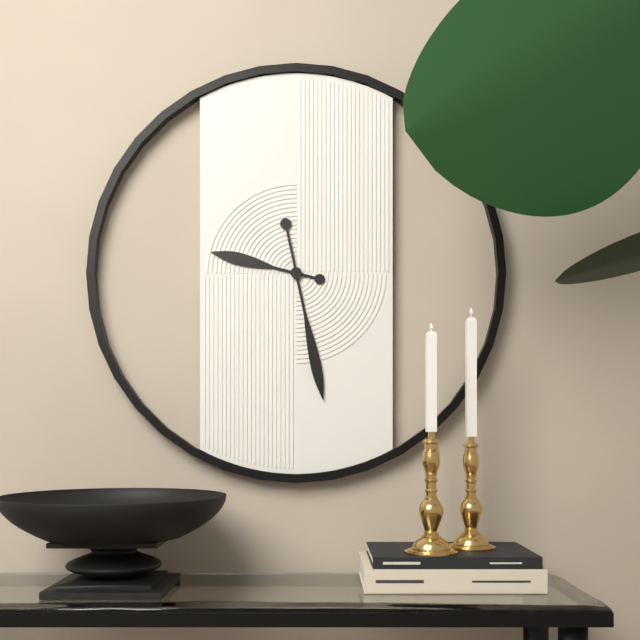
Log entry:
9 h 28 min
